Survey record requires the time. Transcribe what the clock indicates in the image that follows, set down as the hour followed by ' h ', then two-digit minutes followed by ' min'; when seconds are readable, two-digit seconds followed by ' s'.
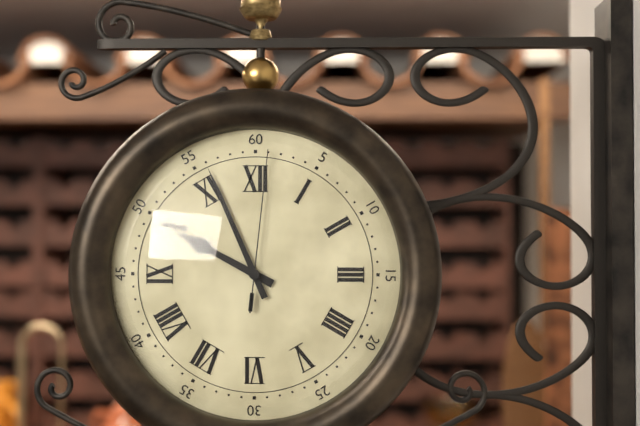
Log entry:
9 h 56 min 01 s
